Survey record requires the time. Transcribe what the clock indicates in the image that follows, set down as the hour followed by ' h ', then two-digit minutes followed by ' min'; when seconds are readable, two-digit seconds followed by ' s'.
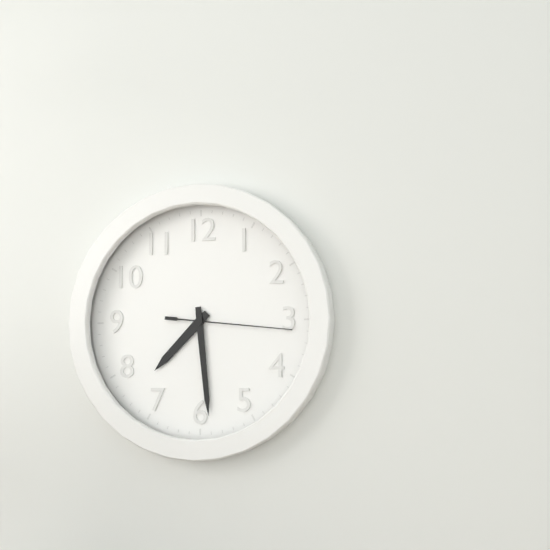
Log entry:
7 h 29 min 16 s
